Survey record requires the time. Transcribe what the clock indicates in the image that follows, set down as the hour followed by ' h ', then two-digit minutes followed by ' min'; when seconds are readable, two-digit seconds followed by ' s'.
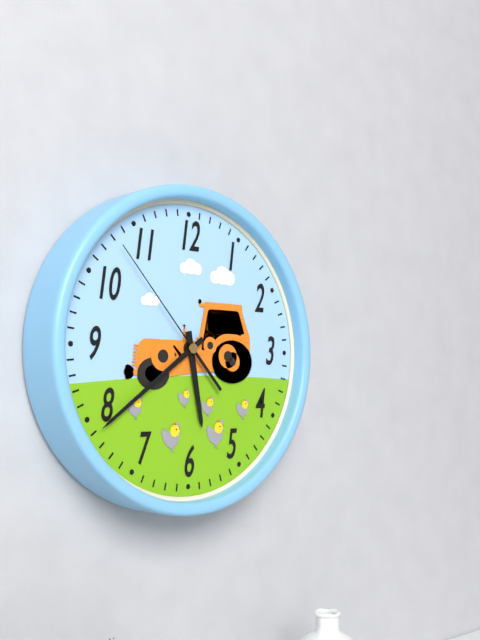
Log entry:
5 h 39 min 53 s
